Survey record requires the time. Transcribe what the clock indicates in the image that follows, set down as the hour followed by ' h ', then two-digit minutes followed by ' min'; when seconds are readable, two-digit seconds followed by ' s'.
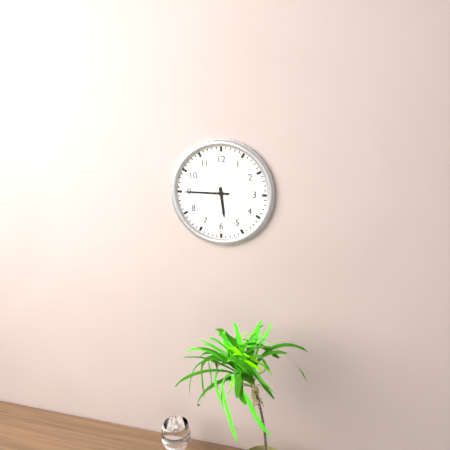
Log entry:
5 h 45 min
